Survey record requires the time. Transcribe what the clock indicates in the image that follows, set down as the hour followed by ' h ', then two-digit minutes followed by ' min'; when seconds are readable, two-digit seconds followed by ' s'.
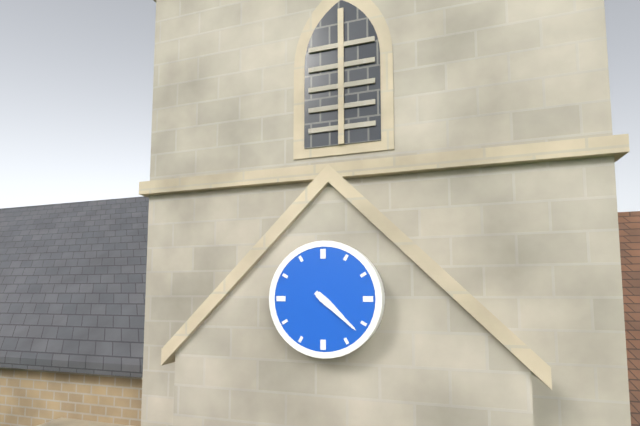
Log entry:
4 h 22 min
